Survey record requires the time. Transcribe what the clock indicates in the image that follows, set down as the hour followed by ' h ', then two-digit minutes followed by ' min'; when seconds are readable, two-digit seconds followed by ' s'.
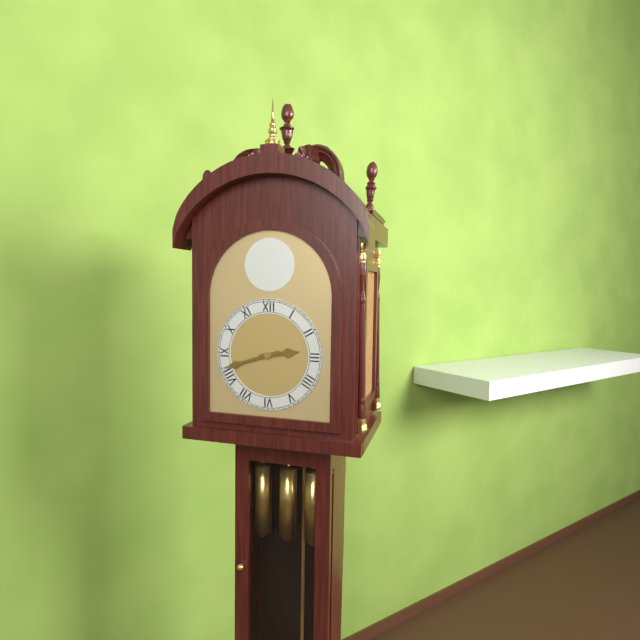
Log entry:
2 h 42 min
